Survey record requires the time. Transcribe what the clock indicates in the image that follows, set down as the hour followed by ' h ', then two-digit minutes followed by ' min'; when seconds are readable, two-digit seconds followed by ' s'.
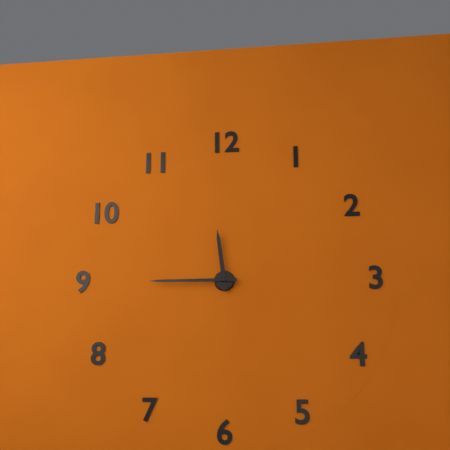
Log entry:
11 h 45 min
